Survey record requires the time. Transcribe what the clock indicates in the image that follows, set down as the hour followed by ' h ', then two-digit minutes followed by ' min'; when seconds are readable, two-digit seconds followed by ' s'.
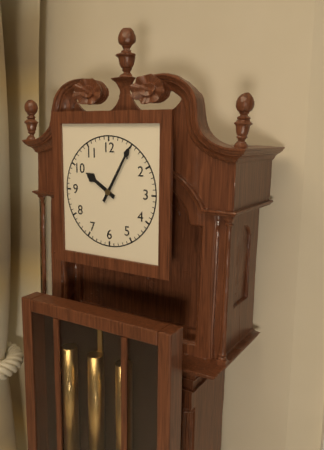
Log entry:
10 h 05 min
